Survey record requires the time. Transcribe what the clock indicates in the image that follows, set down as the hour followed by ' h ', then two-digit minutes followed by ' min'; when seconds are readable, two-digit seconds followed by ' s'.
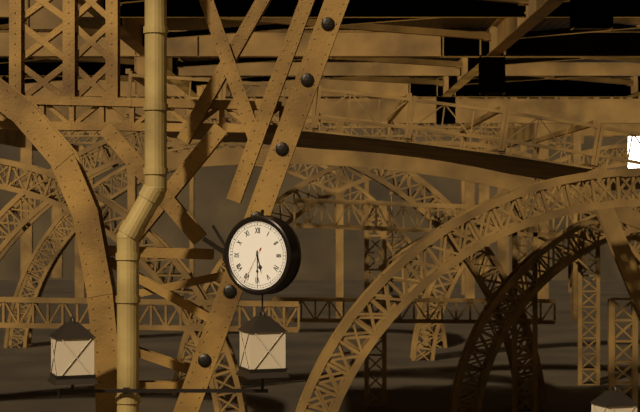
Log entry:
5 h 30 min
